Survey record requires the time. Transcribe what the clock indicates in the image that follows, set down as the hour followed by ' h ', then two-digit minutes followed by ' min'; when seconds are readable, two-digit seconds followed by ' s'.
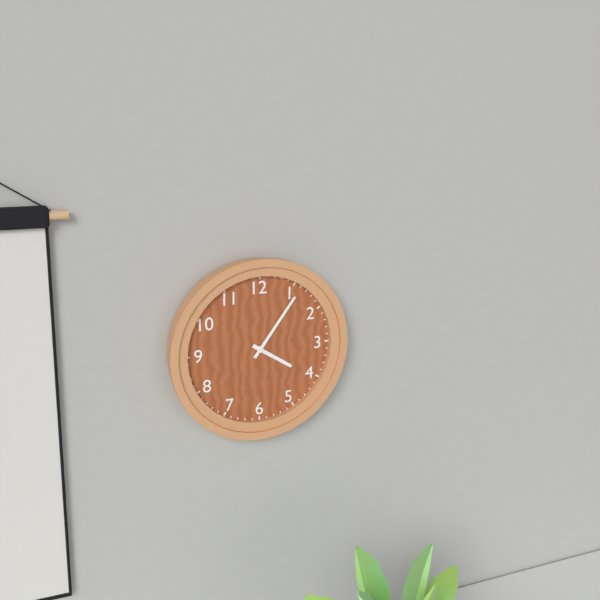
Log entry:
4 h 06 min
